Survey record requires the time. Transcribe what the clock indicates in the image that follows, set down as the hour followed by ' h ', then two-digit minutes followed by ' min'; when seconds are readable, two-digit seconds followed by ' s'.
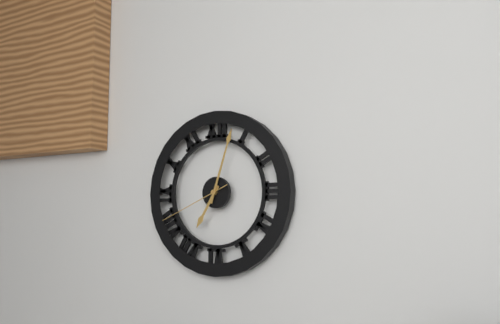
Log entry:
7 h 03 min 41 s
